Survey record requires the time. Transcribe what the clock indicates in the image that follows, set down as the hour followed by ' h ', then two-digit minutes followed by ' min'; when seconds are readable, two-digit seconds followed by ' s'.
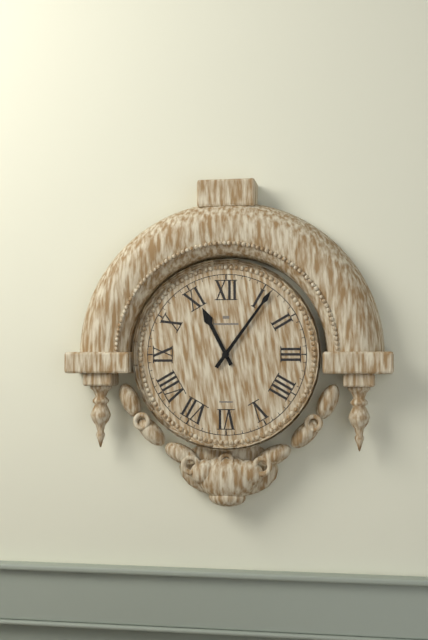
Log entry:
11 h 06 min
